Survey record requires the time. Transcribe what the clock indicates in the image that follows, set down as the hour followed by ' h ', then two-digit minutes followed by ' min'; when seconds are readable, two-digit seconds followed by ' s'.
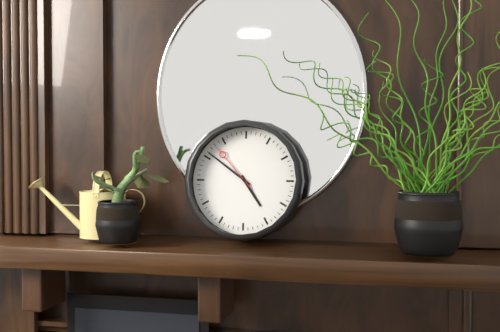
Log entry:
4 h 51 min 53 s
